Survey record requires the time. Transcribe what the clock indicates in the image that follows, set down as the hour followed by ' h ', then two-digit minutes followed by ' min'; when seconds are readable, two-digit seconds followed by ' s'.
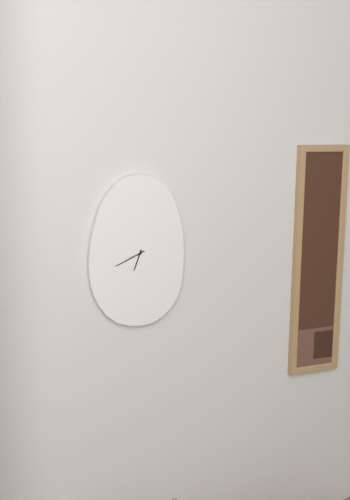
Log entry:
6 h 41 min
